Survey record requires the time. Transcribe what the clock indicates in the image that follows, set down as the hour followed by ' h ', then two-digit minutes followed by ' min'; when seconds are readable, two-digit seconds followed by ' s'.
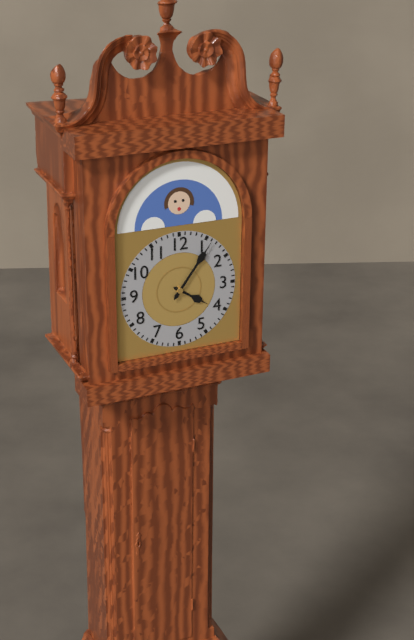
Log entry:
4 h 06 min
